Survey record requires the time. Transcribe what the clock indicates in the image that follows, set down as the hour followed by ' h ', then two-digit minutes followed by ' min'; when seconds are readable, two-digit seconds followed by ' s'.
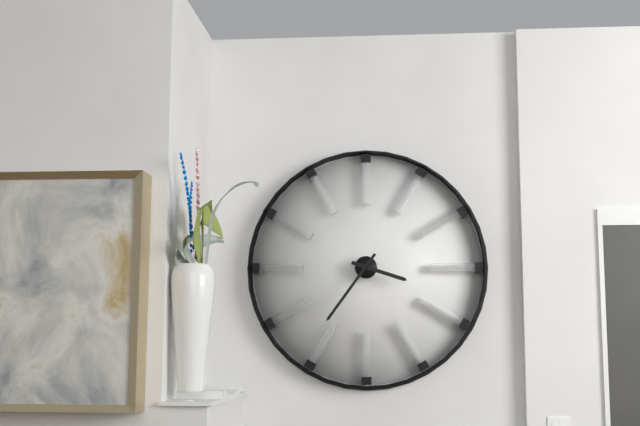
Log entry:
3 h 36 min
